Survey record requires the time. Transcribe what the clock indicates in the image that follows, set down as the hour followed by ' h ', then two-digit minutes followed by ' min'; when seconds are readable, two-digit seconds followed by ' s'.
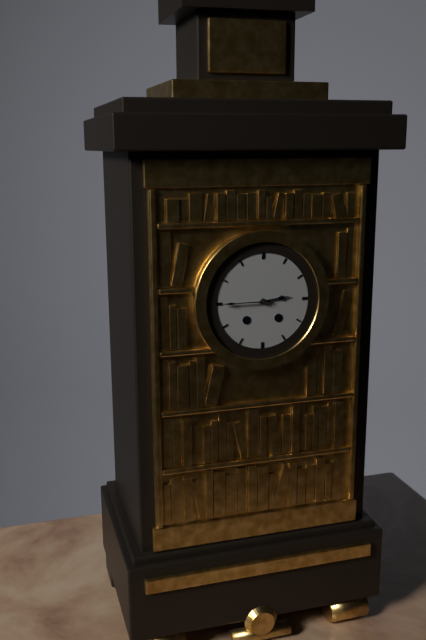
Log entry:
2 h 45 min
